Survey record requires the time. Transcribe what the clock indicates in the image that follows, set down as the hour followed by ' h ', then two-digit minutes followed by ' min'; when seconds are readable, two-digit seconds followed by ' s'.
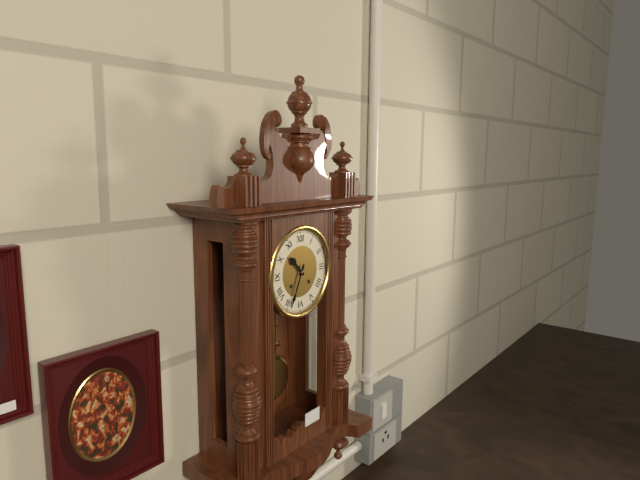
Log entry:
10 h 34 min
